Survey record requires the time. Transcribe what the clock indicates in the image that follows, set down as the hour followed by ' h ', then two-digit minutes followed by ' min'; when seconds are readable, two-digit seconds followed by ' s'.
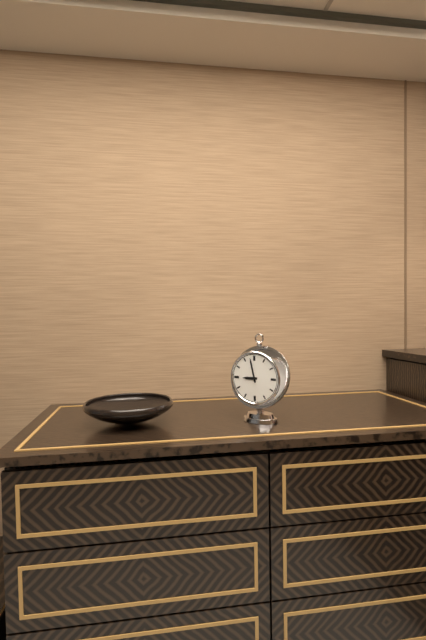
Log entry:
8 h 58 min
